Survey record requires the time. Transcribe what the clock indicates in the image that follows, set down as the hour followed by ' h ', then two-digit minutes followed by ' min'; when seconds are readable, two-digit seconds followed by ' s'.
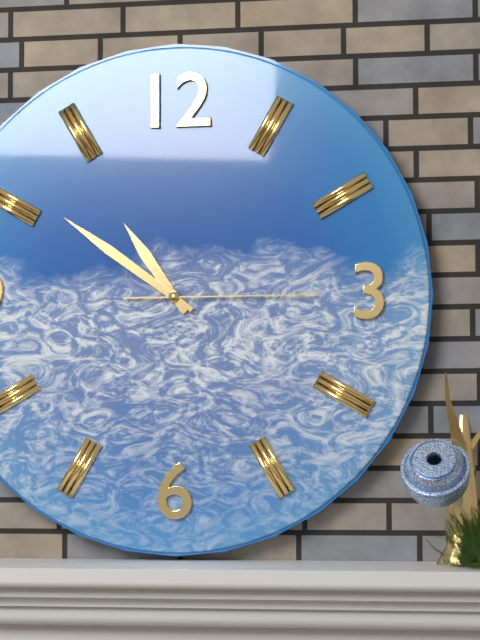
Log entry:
10 h 51 min 15 s
